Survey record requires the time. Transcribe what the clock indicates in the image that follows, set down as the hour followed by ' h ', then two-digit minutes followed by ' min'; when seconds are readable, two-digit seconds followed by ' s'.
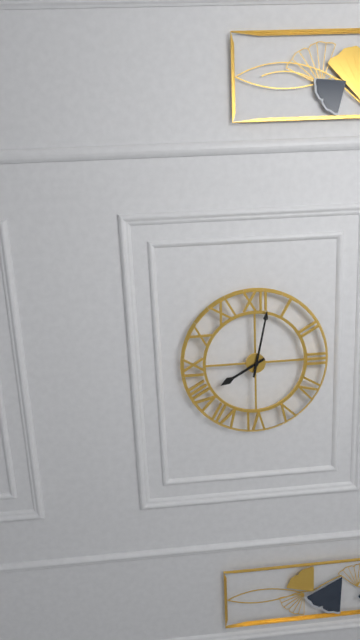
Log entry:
8 h 02 min
